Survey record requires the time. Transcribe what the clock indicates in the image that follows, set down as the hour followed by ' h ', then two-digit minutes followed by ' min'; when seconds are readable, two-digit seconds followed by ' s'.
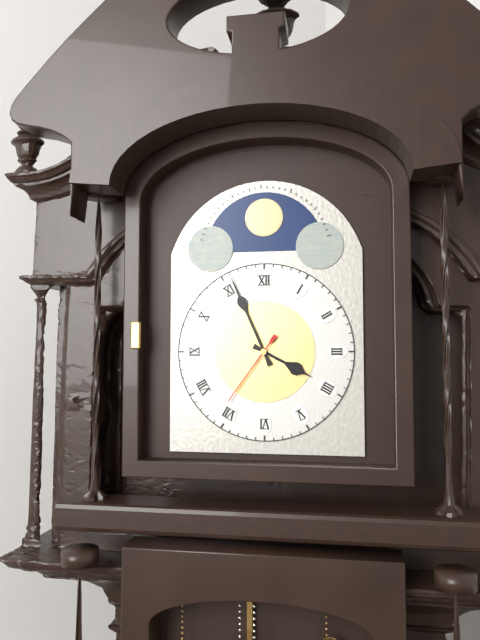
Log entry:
3 h 56 min 36 s
